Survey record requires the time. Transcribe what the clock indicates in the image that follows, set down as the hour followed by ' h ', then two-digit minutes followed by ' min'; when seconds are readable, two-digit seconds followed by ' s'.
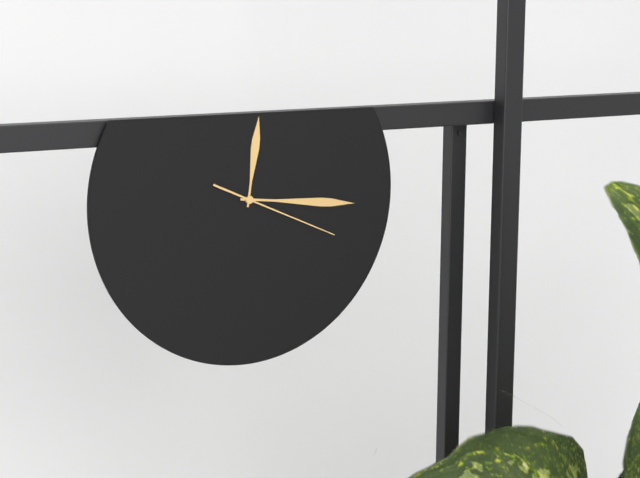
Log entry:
12 h 16 min 19 s
